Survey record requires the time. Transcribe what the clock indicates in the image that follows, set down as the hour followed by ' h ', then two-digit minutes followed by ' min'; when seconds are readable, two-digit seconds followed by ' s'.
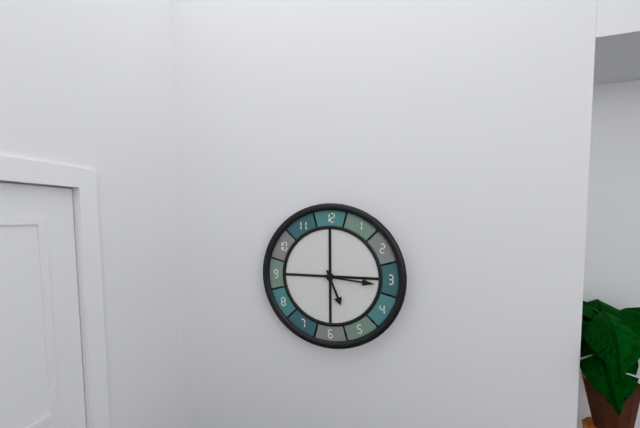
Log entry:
5 h 16 min
